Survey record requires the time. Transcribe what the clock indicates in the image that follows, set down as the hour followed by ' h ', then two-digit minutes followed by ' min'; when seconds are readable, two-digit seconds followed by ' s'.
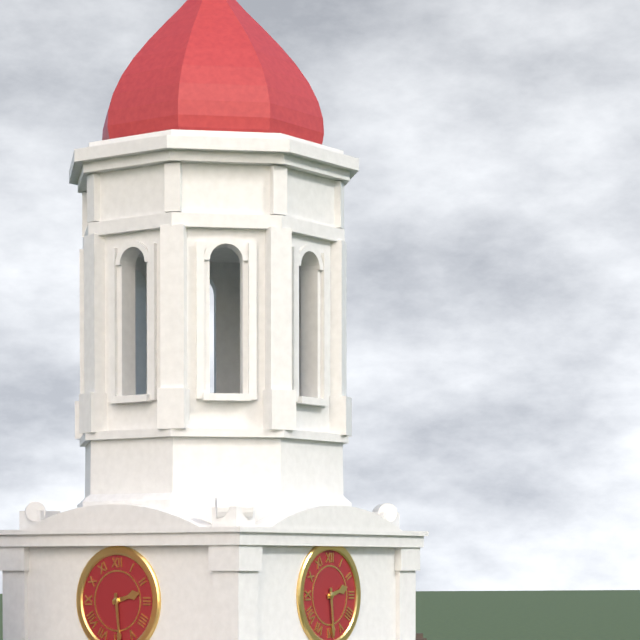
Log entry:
2 h 29 min
